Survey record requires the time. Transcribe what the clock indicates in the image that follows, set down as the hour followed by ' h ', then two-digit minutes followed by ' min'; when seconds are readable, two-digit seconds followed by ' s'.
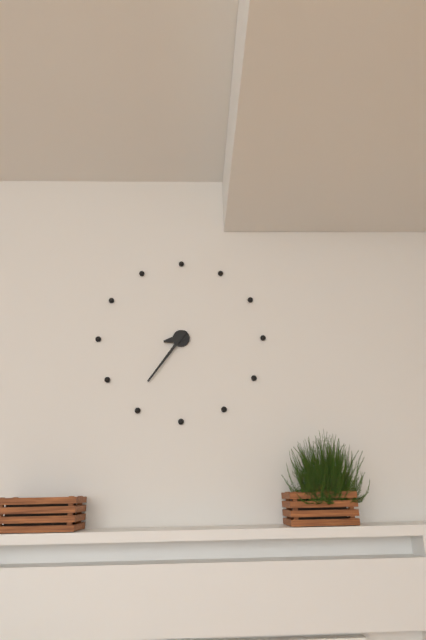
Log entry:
8 h 36 min
